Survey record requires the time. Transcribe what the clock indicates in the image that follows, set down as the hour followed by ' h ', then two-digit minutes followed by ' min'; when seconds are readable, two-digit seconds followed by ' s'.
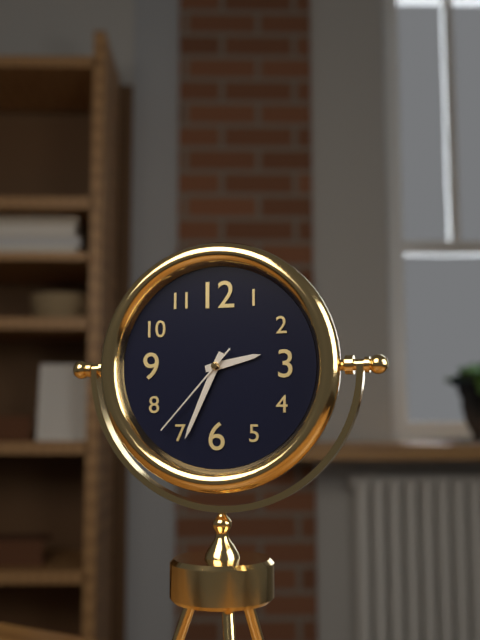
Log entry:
2 h 34 min 37 s
